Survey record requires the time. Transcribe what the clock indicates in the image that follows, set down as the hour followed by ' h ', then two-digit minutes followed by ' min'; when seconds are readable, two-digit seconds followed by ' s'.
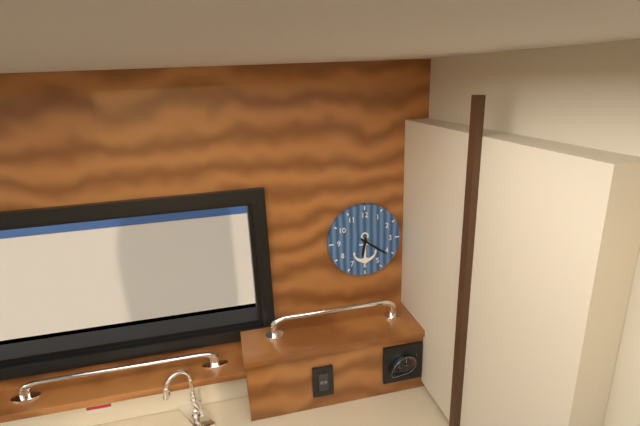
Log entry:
6 h 21 min
